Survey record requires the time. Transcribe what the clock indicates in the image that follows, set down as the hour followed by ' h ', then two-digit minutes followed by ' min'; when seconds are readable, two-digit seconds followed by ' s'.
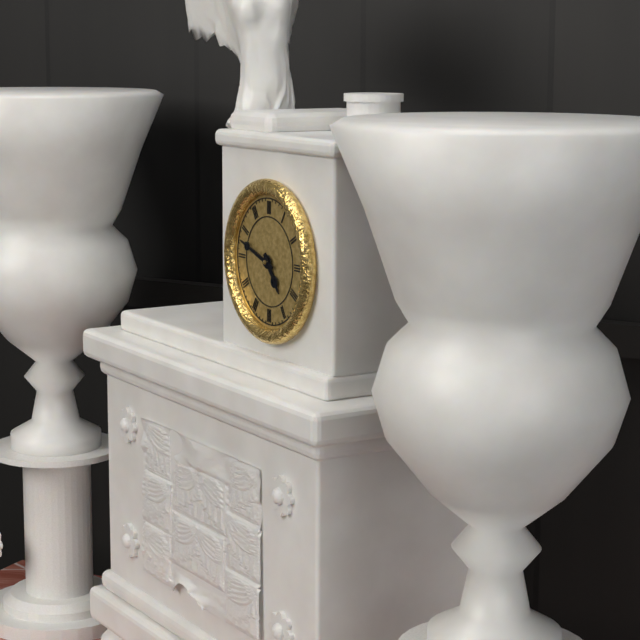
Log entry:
4 h 48 min
